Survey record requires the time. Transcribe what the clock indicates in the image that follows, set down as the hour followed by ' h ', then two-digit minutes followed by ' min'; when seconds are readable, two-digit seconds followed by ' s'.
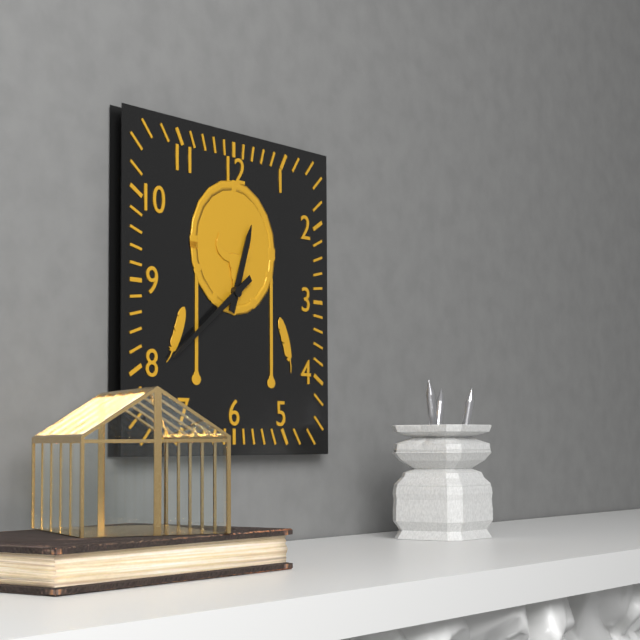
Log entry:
12 h 39 min
